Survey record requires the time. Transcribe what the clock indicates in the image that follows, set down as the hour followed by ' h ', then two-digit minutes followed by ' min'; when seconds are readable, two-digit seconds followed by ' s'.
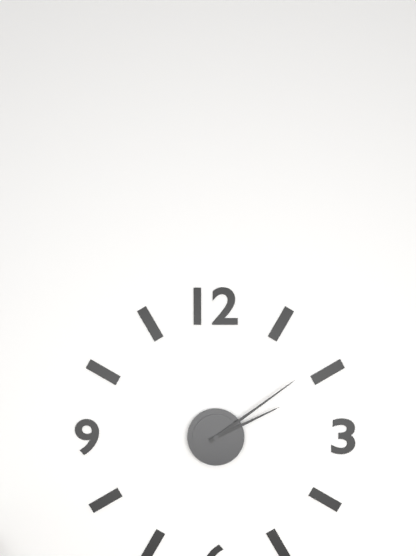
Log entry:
2 h 09 min
